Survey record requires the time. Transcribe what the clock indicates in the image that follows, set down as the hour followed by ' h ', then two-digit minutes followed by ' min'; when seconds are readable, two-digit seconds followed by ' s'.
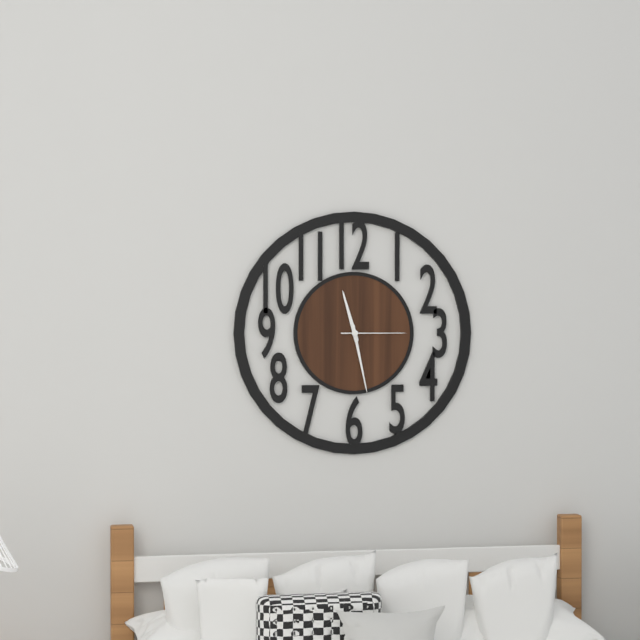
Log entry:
11 h 28 min 15 s
